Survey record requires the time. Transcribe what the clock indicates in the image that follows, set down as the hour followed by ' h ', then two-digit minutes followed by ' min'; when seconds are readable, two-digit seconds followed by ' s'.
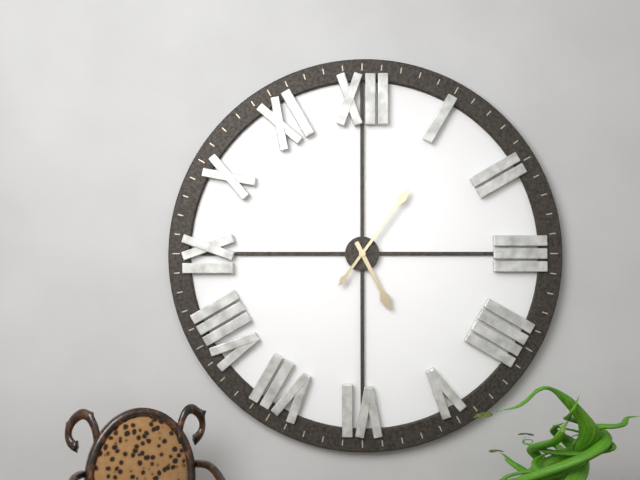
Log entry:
5 h 06 min
